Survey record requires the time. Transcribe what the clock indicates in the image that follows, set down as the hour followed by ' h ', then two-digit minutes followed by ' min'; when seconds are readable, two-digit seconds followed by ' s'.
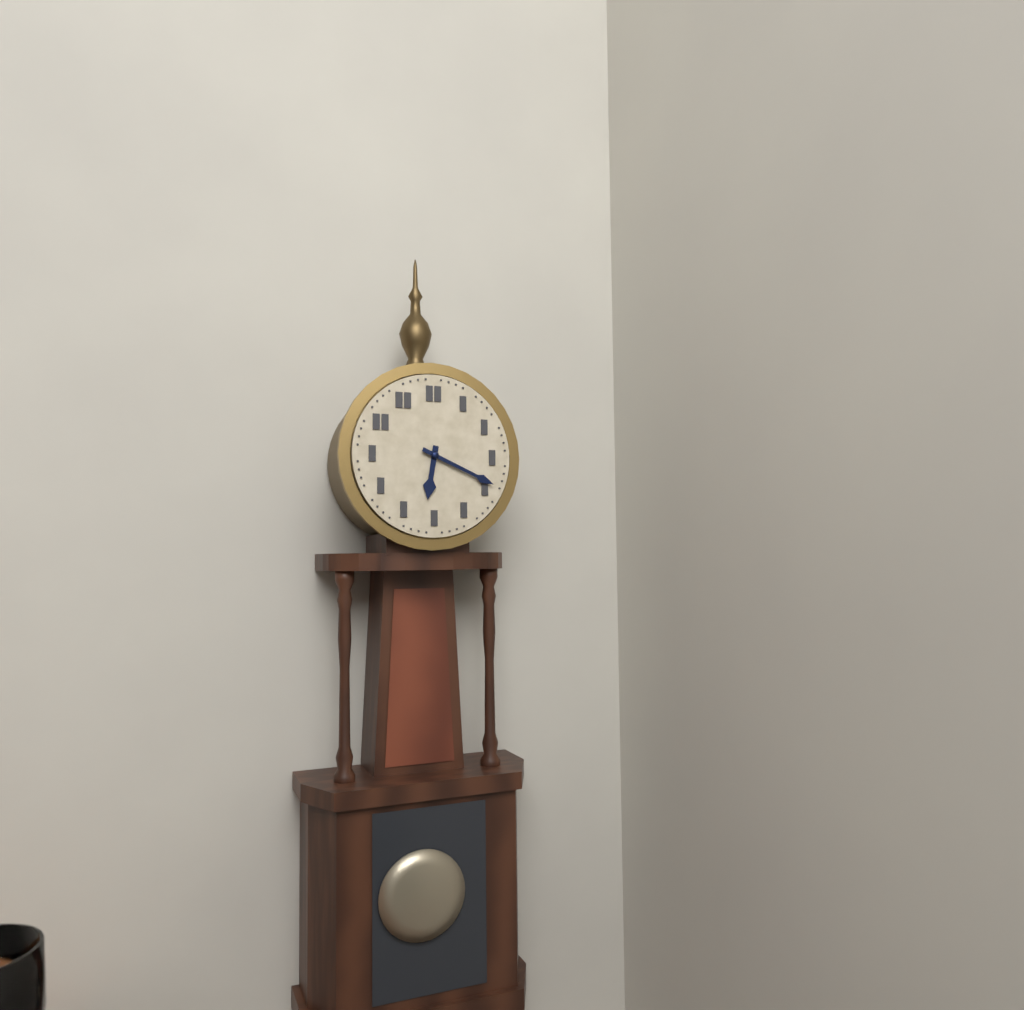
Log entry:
6 h 19 min
